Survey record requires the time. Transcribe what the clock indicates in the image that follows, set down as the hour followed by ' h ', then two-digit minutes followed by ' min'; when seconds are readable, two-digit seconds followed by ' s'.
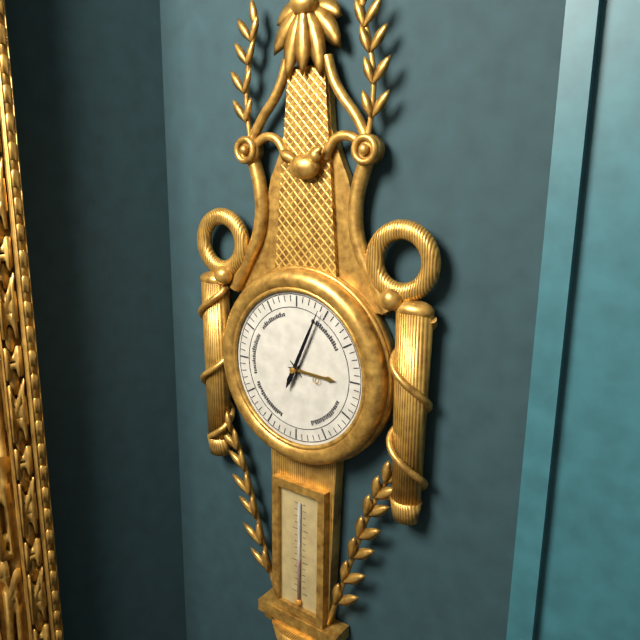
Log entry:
3 h 04 min
